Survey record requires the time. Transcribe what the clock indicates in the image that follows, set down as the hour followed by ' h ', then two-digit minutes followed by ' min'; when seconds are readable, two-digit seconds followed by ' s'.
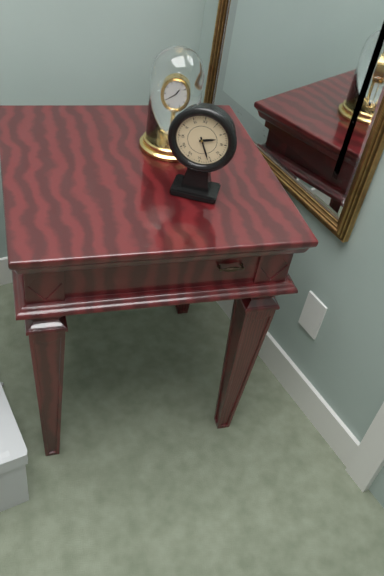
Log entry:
2 h 26 min
